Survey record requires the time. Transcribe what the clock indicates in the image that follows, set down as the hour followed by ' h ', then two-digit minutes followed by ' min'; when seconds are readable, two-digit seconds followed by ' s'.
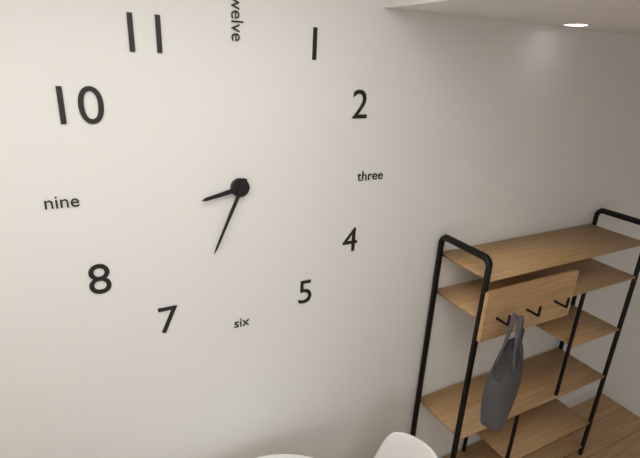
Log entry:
8 h 34 min
